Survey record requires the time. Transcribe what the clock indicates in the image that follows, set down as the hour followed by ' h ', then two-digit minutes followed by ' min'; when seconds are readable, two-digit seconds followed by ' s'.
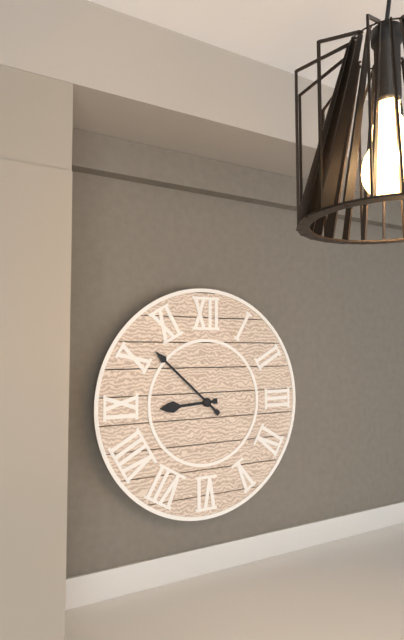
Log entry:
8 h 52 min
